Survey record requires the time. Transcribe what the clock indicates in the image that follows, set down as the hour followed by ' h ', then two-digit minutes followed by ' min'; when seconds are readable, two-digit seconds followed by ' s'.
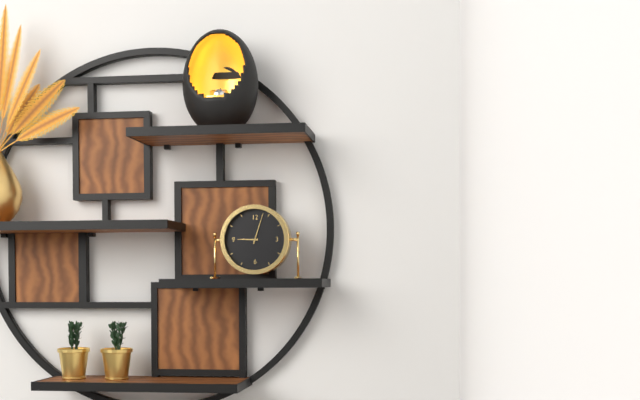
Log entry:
9 h 03 min
